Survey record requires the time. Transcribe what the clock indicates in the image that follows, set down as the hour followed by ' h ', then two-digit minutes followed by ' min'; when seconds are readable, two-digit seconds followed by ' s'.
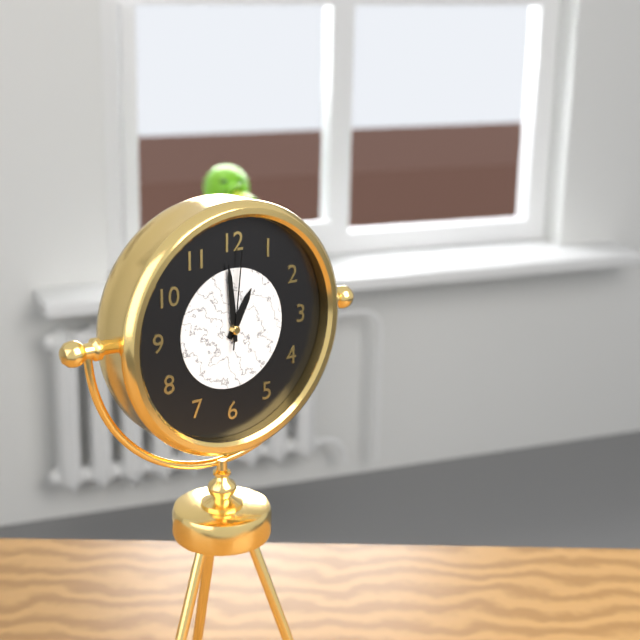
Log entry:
12 h 59 min 01 s
